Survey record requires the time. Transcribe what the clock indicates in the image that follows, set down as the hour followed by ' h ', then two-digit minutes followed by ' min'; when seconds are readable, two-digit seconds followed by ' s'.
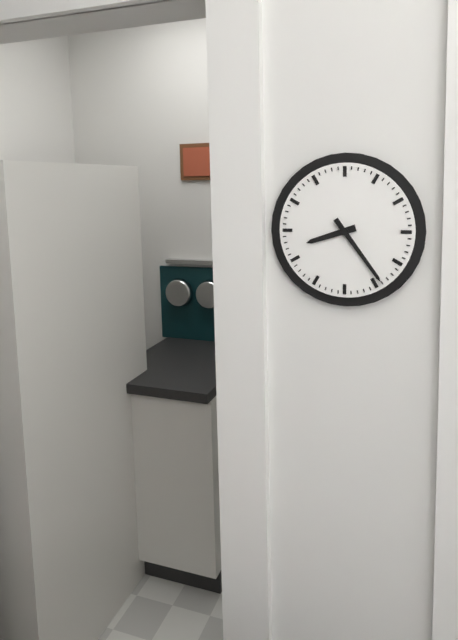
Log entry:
8 h 24 min
